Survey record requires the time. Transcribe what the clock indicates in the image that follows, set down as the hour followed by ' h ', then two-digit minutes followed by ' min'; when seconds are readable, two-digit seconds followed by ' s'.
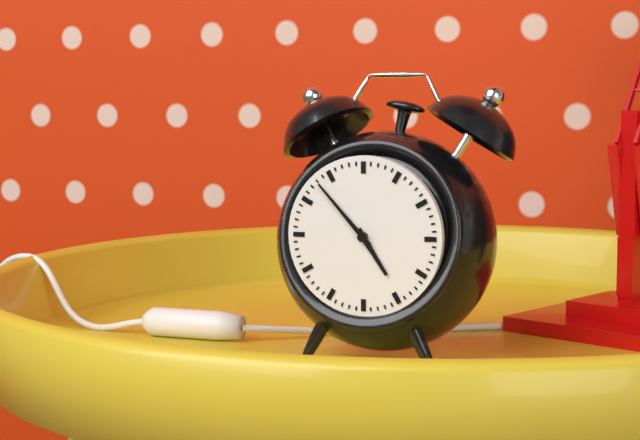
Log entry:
4 h 53 min
